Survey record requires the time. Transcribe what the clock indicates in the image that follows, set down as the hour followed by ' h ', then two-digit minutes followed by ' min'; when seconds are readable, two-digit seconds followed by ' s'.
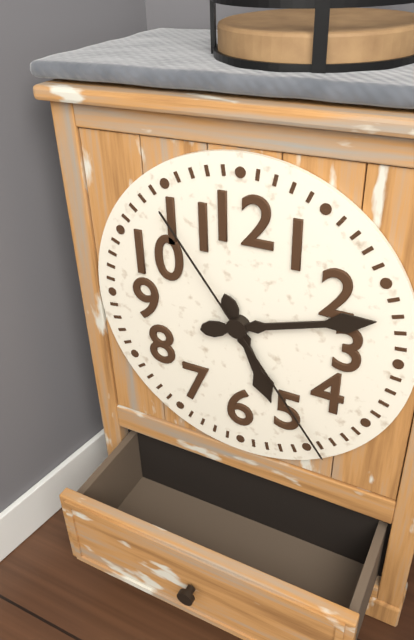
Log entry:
5 h 12 min 24 s
